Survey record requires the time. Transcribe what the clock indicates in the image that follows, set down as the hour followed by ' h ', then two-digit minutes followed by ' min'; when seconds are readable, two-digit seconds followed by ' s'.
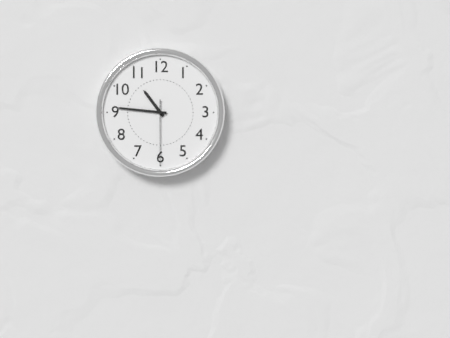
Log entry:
10 h 46 min 30 s
